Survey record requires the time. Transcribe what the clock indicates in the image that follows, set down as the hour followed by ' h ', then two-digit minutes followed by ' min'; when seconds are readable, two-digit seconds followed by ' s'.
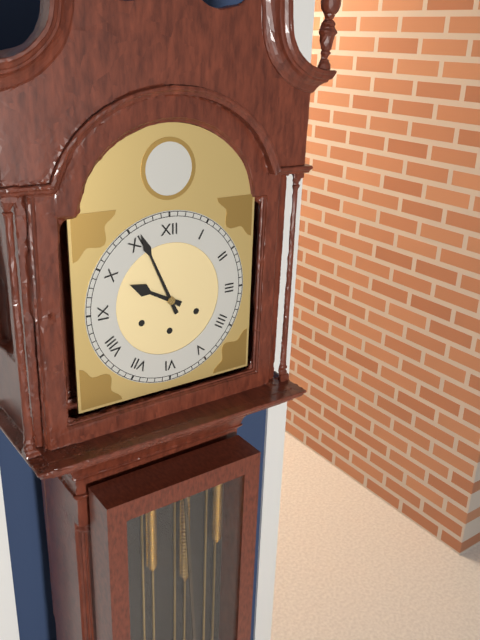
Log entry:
9 h 56 min
